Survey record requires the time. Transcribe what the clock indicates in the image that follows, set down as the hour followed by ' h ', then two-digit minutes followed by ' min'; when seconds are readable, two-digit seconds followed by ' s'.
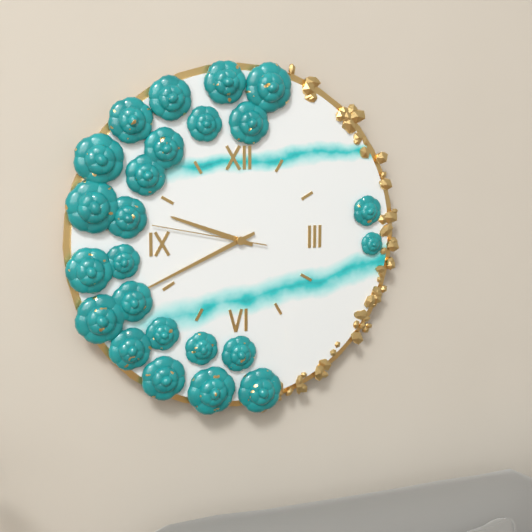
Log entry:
9 h 41 min 47 s
